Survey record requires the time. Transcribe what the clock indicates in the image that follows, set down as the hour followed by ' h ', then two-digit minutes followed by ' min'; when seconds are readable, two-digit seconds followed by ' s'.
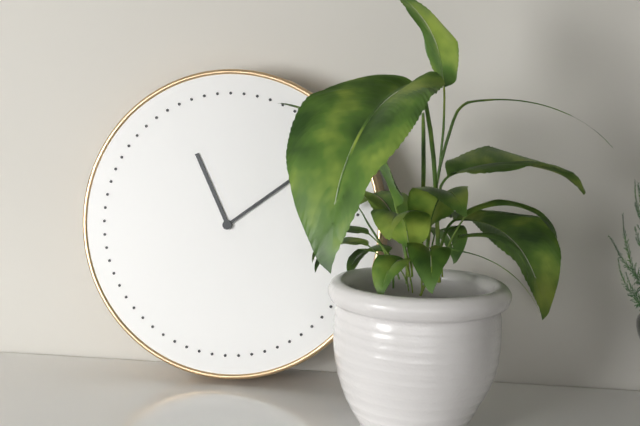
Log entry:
11 h 09 min
